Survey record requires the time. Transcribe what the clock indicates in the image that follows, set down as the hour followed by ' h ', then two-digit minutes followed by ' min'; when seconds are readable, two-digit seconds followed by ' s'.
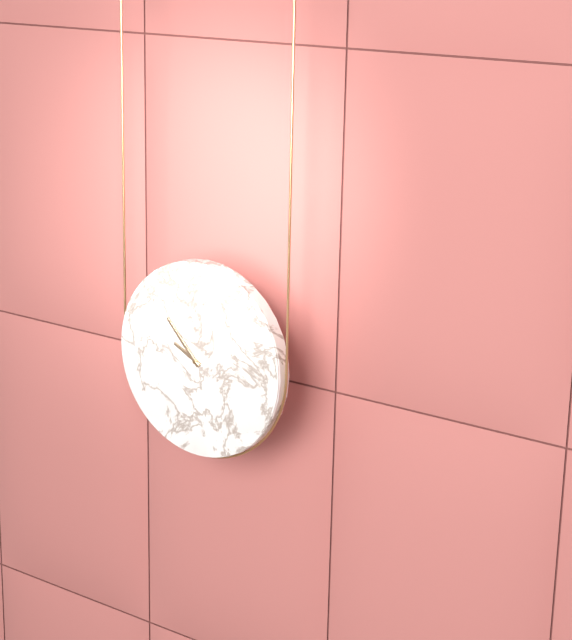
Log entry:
9 h 53 min
